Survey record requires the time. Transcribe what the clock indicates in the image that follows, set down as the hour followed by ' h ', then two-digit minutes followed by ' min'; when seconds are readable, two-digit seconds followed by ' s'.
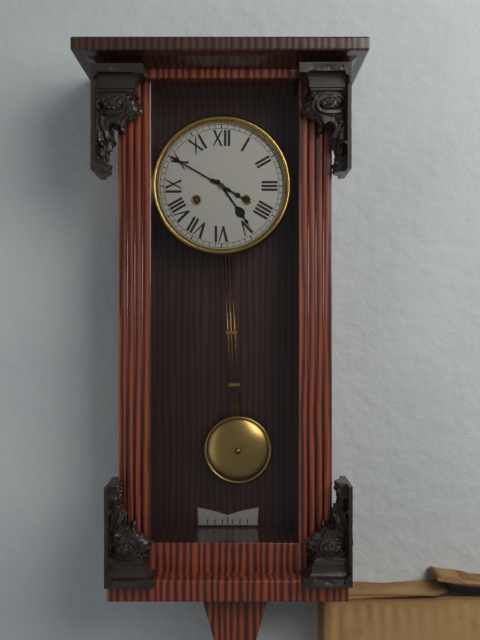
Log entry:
4 h 50 min
